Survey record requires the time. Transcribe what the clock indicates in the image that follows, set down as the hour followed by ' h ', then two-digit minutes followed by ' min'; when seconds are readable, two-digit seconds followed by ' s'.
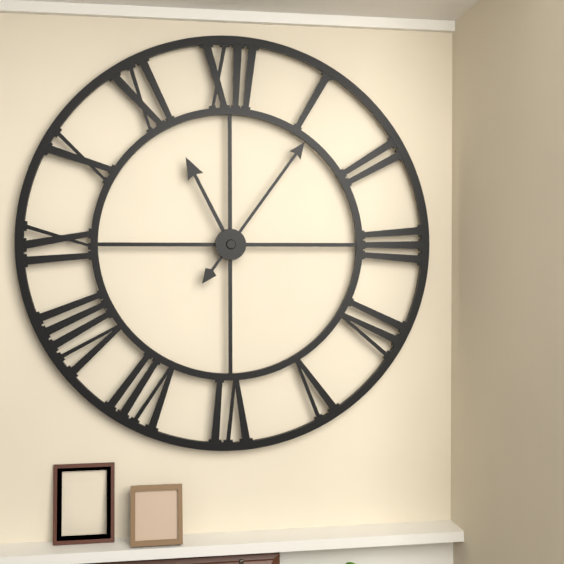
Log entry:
11 h 06 min
